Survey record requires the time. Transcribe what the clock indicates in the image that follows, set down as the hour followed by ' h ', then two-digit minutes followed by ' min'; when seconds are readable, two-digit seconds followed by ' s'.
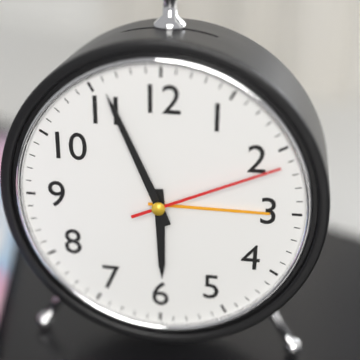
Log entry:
5 h 56 min 11 s
